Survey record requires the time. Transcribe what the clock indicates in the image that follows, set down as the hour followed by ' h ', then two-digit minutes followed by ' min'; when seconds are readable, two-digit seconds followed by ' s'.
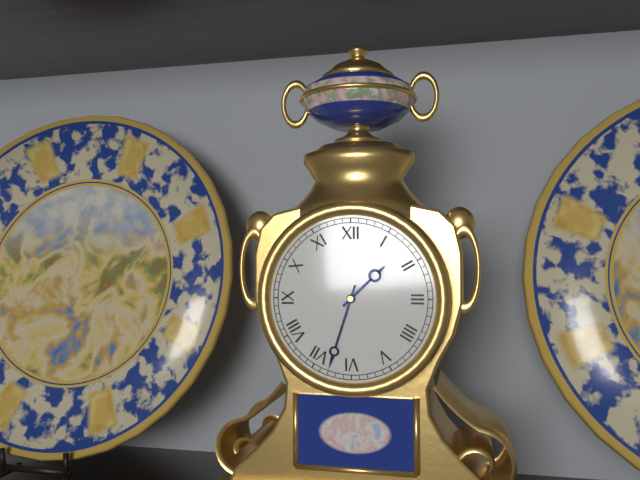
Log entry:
1 h 33 min
